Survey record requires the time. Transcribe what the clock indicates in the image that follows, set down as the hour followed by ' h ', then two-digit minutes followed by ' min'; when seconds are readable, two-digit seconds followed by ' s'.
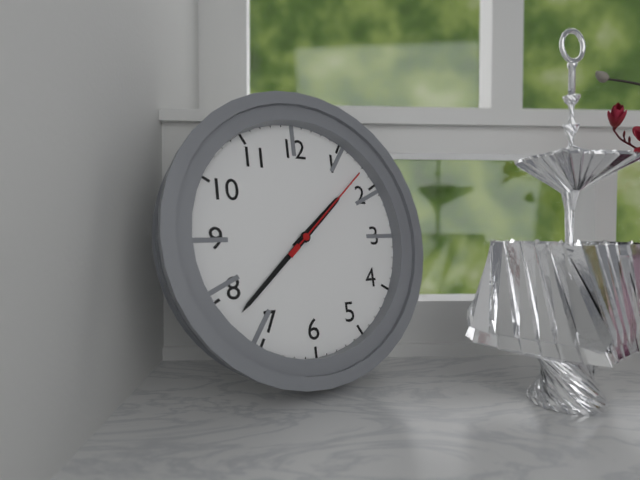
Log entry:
1 h 38 min 08 s
